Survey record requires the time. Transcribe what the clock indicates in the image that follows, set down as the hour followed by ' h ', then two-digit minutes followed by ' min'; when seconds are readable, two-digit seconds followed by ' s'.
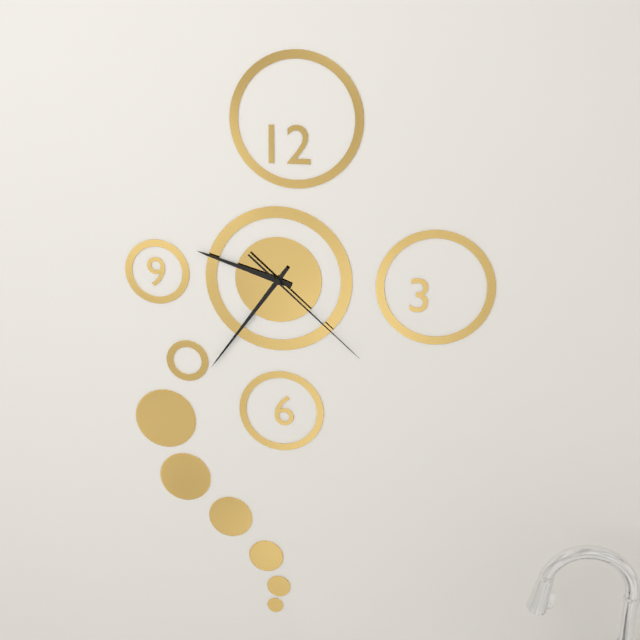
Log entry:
9 h 36 min 22 s
